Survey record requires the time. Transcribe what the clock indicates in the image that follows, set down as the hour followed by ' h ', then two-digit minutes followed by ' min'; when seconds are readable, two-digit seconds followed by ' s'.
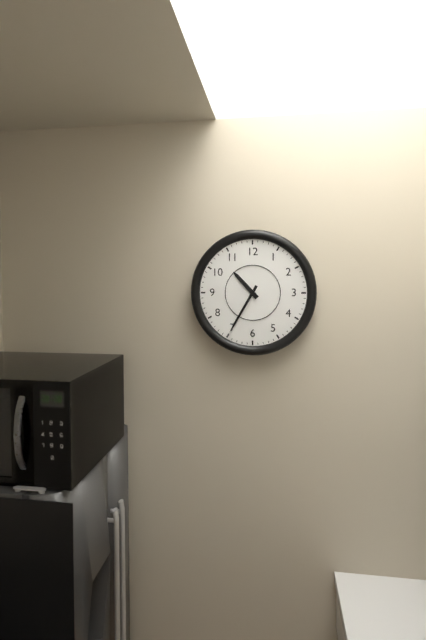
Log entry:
10 h 35 min
